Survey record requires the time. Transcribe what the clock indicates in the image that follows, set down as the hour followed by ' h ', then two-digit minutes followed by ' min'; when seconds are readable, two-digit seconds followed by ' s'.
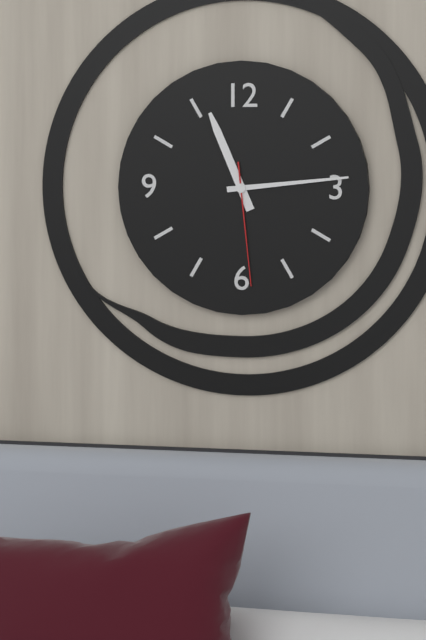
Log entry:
11 h 14 min 29 s
